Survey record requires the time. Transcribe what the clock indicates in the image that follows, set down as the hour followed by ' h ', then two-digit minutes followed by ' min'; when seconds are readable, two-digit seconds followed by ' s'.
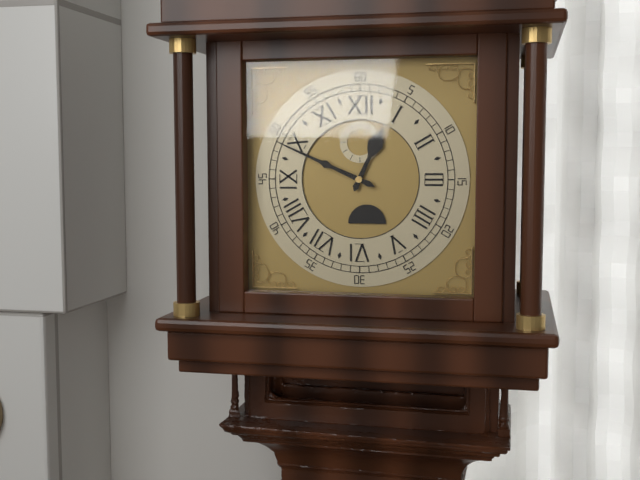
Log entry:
12 h 49 min
